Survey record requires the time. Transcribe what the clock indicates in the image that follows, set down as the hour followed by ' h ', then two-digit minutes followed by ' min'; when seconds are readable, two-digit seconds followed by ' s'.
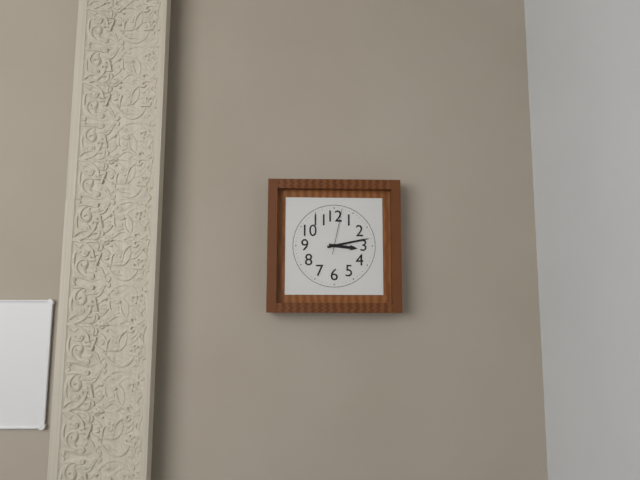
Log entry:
3 h 13 min
